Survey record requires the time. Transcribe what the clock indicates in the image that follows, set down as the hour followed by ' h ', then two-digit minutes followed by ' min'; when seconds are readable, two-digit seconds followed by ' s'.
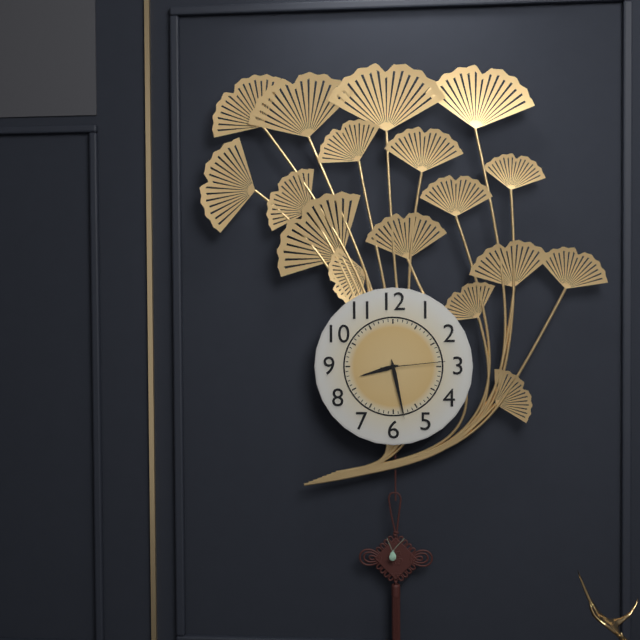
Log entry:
8 h 28 min 14 s
